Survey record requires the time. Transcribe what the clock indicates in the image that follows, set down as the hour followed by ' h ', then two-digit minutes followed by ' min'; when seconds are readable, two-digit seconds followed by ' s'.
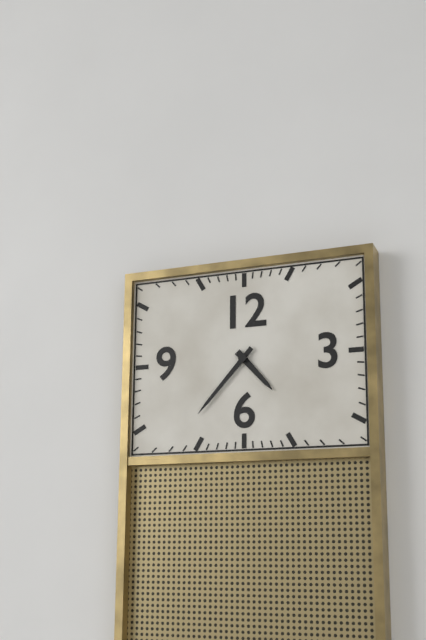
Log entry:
4 h 37 min
